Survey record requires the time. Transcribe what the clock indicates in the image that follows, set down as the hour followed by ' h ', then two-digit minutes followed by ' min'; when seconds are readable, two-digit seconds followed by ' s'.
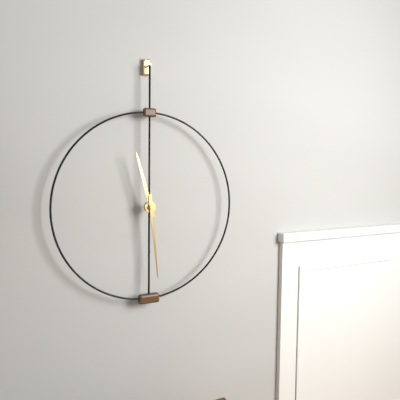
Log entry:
11 h 29 min
